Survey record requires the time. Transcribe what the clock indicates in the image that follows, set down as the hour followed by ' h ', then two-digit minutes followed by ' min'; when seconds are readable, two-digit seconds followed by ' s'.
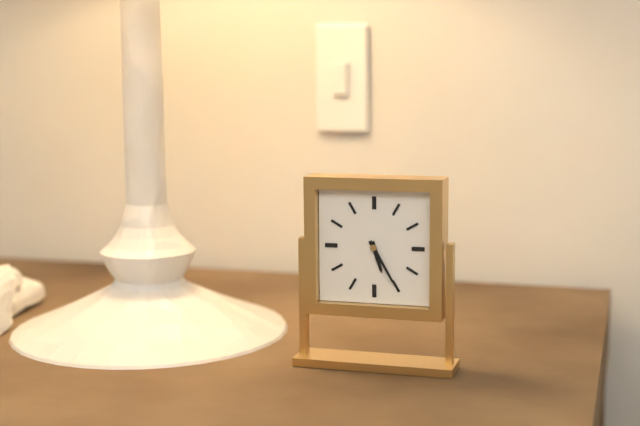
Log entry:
5 h 25 min
